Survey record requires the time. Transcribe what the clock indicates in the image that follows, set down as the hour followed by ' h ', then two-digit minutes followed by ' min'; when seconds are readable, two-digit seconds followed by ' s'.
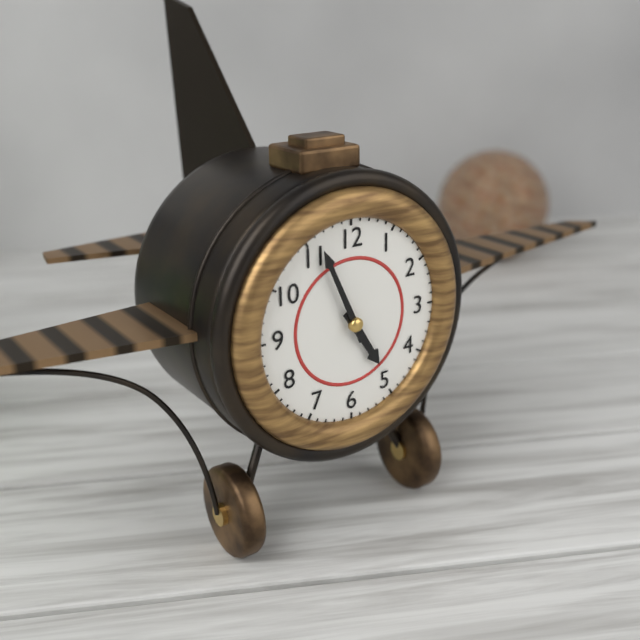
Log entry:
4 h 56 min
